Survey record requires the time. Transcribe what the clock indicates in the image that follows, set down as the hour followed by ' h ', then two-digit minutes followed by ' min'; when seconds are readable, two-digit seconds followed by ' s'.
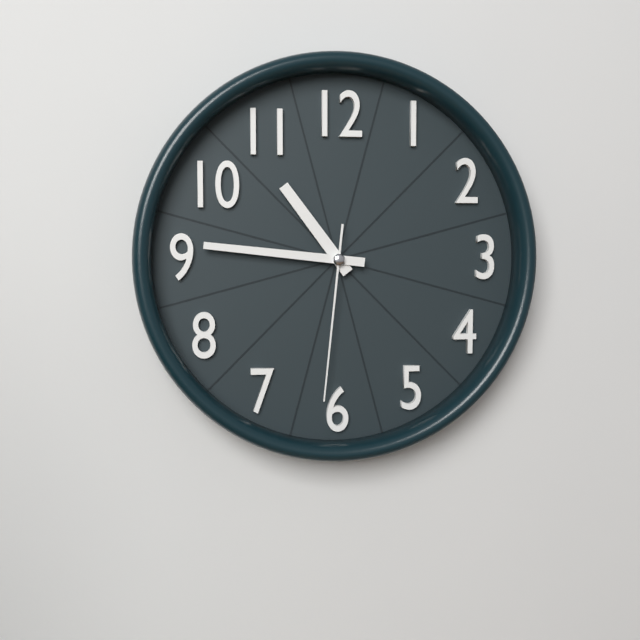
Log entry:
10 h 46 min 31 s
